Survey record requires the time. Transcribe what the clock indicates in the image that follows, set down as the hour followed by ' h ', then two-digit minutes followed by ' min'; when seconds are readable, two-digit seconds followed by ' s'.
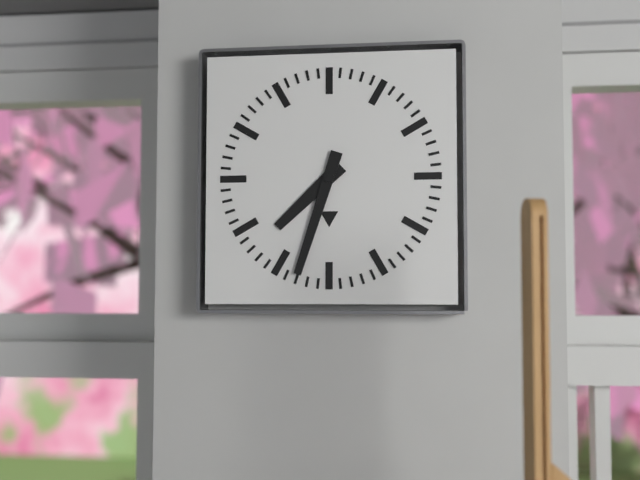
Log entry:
7 h 33 min
